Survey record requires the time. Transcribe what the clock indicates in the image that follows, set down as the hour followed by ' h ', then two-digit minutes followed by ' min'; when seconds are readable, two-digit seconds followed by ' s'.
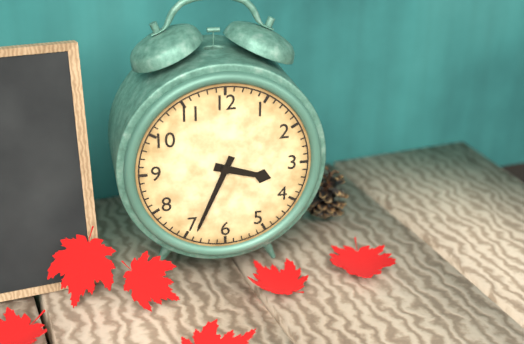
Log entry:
3 h 34 min
